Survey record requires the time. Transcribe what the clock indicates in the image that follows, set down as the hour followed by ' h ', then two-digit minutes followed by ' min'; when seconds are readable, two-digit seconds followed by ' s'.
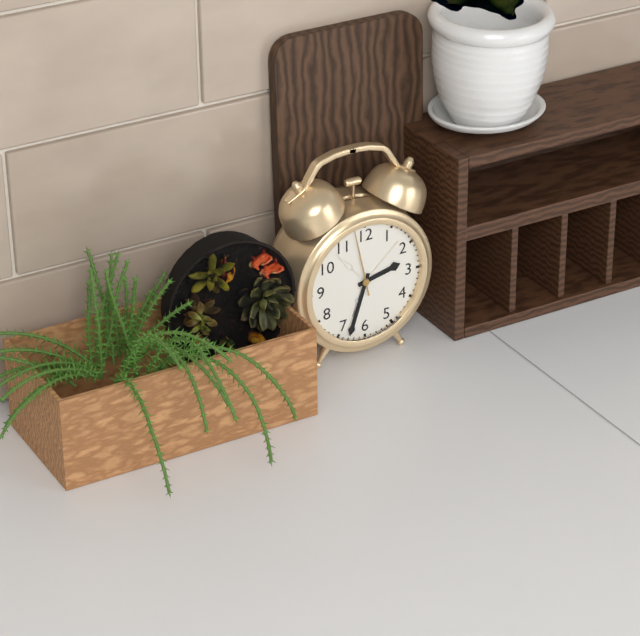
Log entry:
2 h 33 min 58 s
